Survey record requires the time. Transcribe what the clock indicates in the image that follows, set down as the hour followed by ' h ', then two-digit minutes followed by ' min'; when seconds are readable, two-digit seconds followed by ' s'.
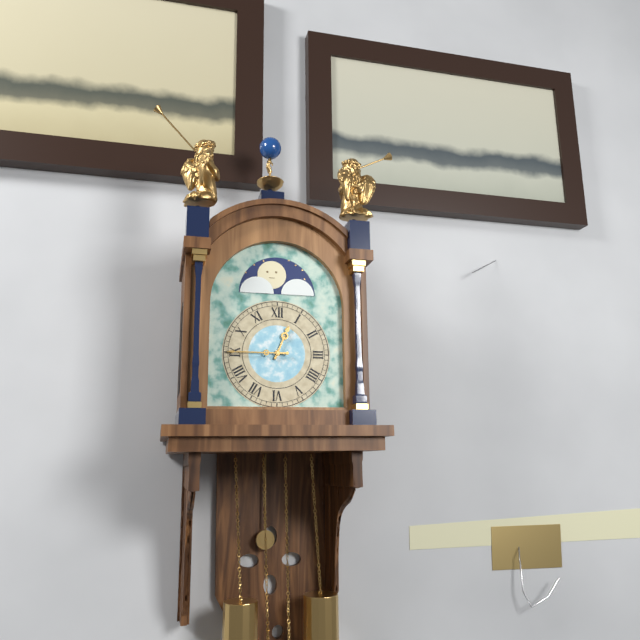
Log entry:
12 h 45 min
